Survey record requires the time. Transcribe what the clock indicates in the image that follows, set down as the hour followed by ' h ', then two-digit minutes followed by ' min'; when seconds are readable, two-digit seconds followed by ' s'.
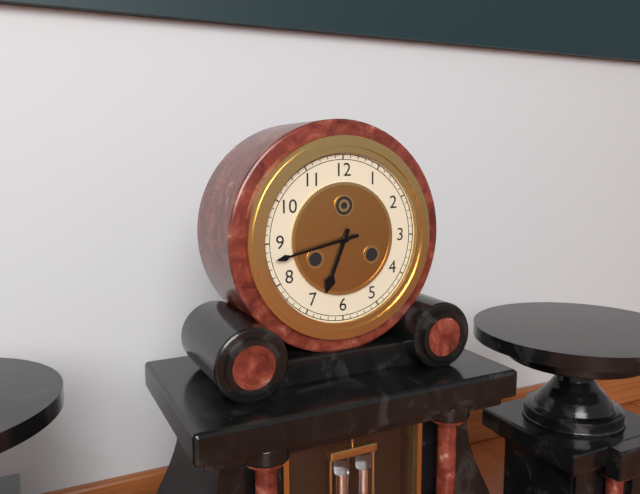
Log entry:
6 h 43 min
